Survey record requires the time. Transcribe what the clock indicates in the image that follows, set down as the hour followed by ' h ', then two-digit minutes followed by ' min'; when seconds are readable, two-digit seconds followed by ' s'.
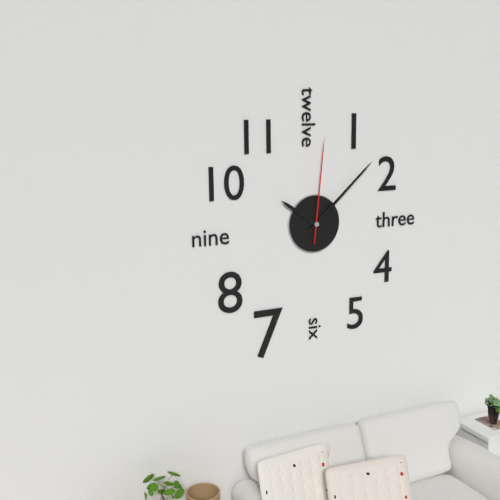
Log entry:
10 h 08 min 01 s
